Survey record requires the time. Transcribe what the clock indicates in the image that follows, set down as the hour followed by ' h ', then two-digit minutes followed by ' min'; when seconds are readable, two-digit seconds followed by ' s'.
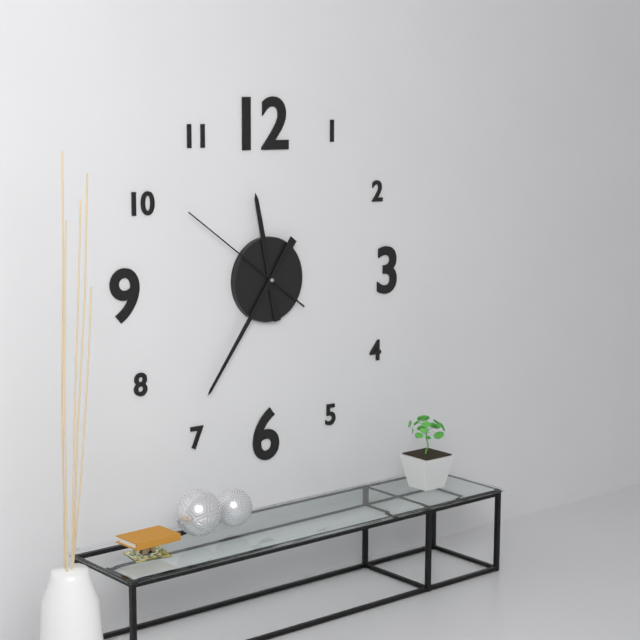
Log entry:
11 h 36 min 51 s
